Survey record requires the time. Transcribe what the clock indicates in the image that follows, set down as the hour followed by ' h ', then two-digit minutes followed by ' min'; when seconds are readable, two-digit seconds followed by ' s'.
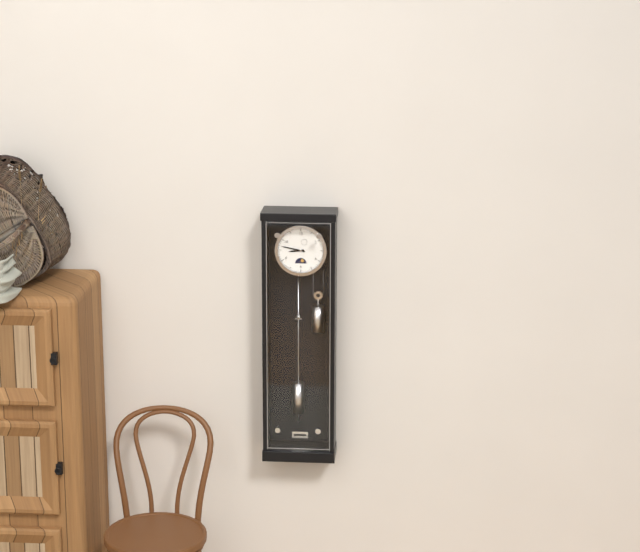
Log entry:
8 h 47 min
